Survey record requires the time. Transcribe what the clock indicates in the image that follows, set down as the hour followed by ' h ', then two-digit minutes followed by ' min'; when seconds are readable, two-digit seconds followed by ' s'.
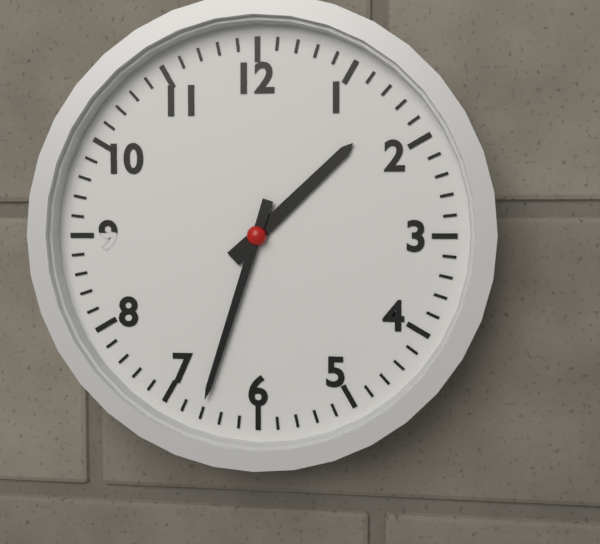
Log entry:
1 h 33 min
